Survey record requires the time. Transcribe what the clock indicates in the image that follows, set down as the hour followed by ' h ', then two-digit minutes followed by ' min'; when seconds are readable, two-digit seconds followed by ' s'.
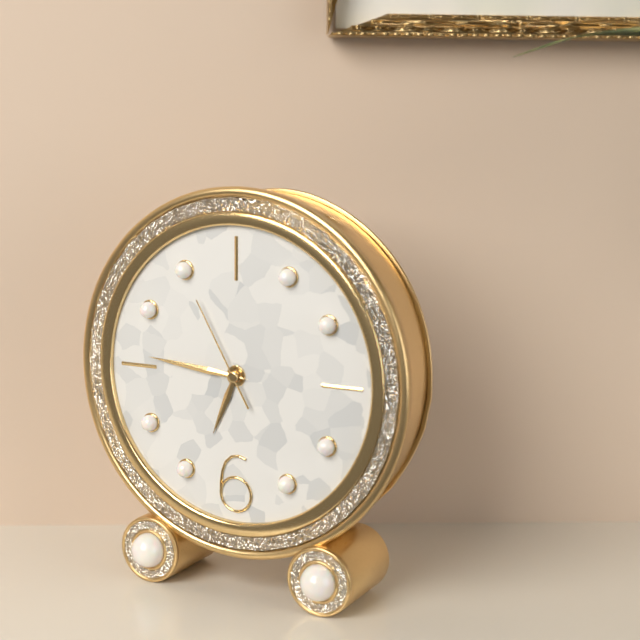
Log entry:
6 h 46 min 55 s
